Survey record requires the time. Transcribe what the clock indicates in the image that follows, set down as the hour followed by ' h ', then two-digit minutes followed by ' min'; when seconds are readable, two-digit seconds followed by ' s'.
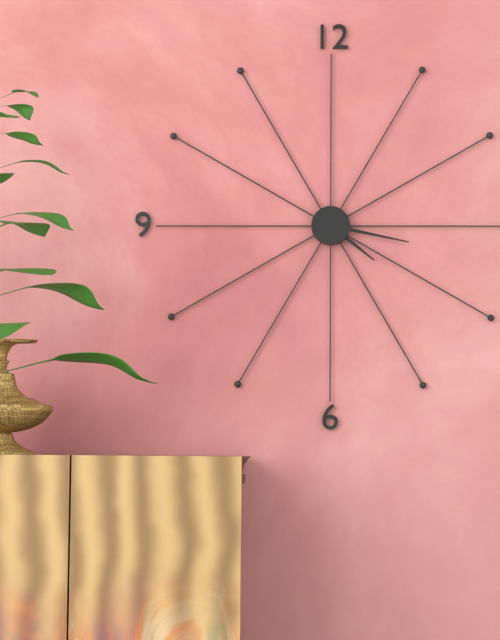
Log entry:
4 h 17 min
